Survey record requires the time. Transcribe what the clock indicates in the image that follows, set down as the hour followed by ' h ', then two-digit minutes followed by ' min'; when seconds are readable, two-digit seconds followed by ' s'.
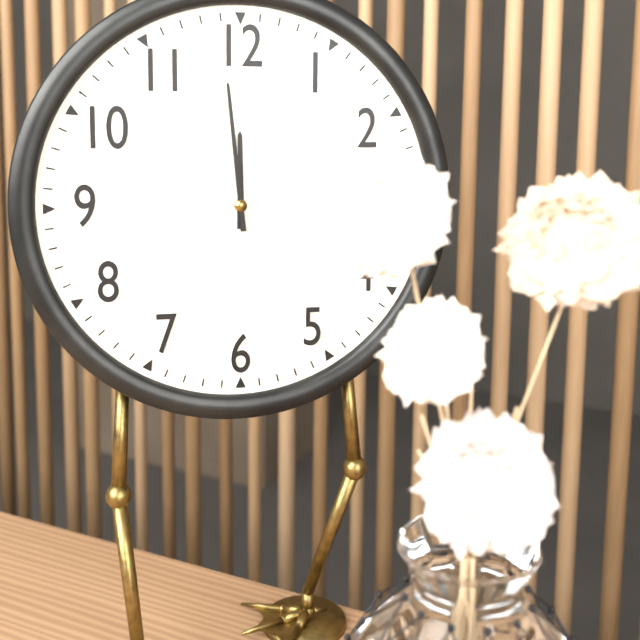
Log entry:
11 h 59 min
